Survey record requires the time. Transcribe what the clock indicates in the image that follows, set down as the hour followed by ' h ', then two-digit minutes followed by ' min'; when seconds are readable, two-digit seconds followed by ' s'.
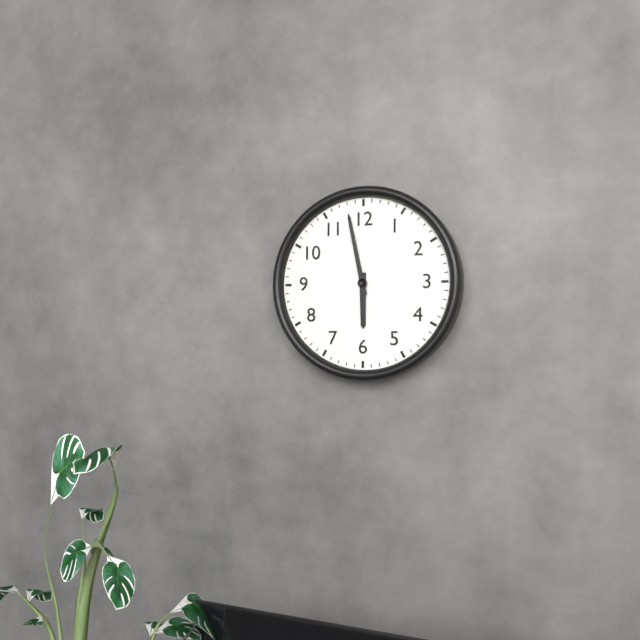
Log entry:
5 h 58 min
